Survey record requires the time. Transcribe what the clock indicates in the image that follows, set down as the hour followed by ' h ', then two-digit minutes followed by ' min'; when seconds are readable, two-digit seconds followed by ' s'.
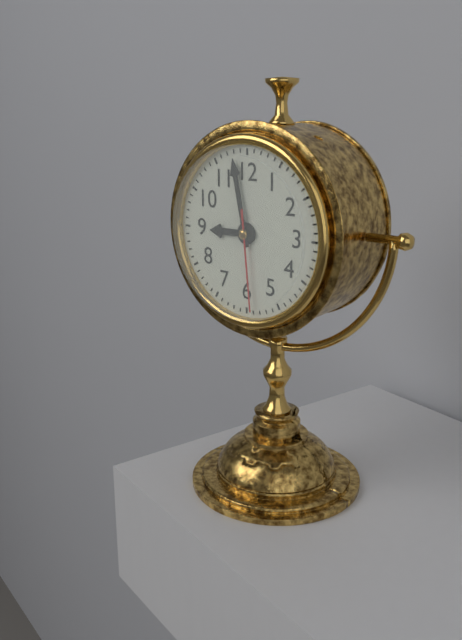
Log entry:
8 h 58 min 29 s
